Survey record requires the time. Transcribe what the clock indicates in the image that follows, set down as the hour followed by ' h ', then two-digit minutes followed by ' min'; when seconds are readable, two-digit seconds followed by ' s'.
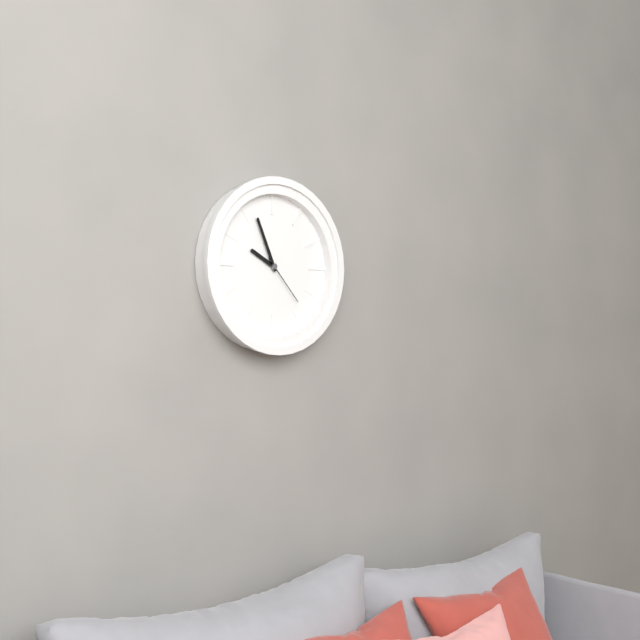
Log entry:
9 h 56 min 23 s
